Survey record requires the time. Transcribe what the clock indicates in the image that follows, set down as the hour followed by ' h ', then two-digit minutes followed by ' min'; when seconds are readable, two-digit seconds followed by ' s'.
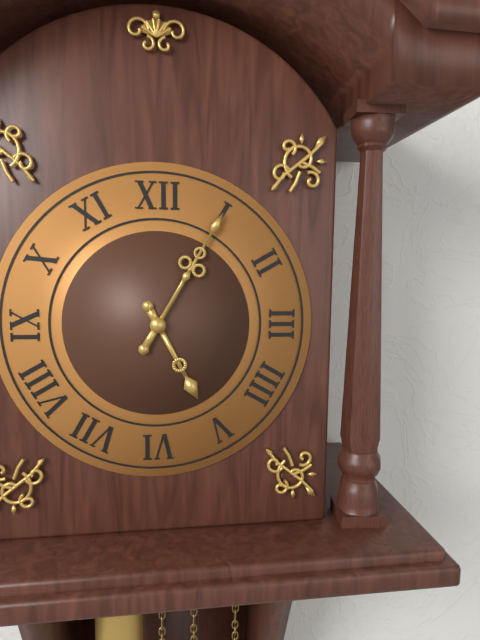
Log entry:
5 h 05 min
